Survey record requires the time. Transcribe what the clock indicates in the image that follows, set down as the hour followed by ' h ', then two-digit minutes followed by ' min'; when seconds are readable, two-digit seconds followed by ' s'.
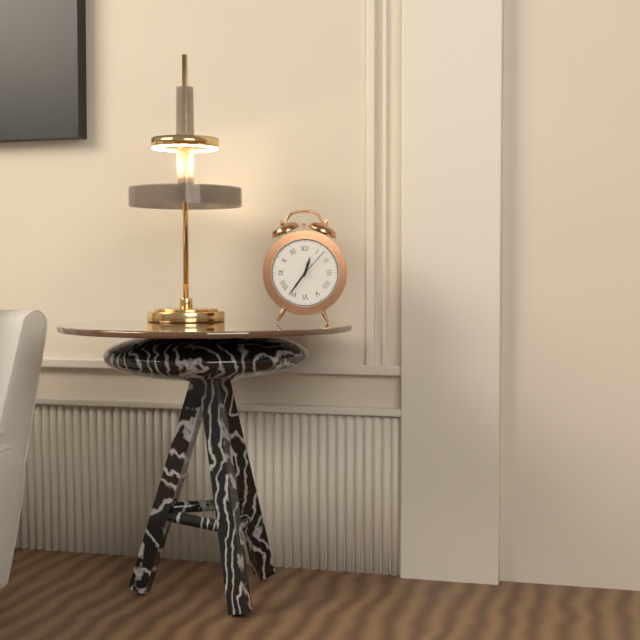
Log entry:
12 h 36 min
